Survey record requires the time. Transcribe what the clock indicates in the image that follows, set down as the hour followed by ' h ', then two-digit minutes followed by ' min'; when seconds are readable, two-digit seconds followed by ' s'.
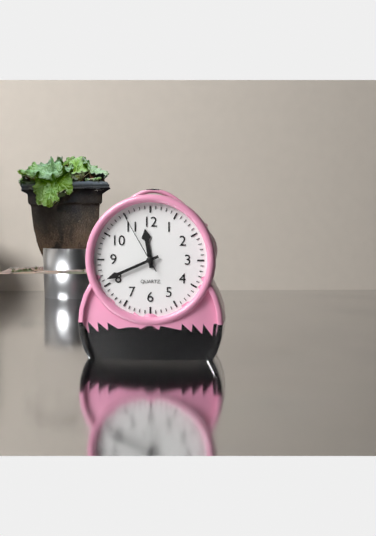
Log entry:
11 h 41 min 55 s
